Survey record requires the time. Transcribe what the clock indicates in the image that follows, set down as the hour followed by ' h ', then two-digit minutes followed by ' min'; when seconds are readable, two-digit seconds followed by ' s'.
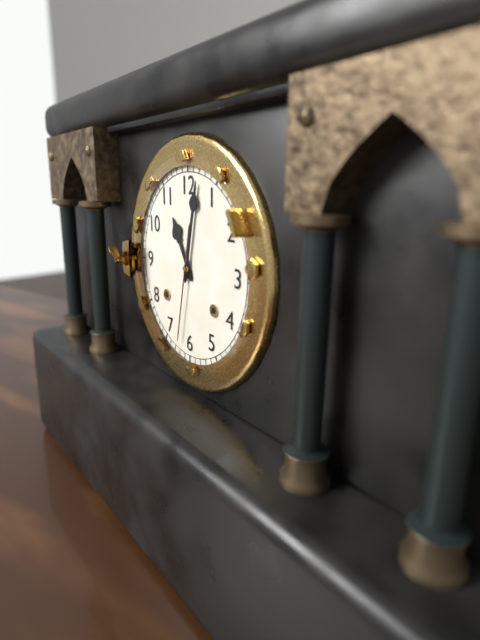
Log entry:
11 h 02 min 32 s
